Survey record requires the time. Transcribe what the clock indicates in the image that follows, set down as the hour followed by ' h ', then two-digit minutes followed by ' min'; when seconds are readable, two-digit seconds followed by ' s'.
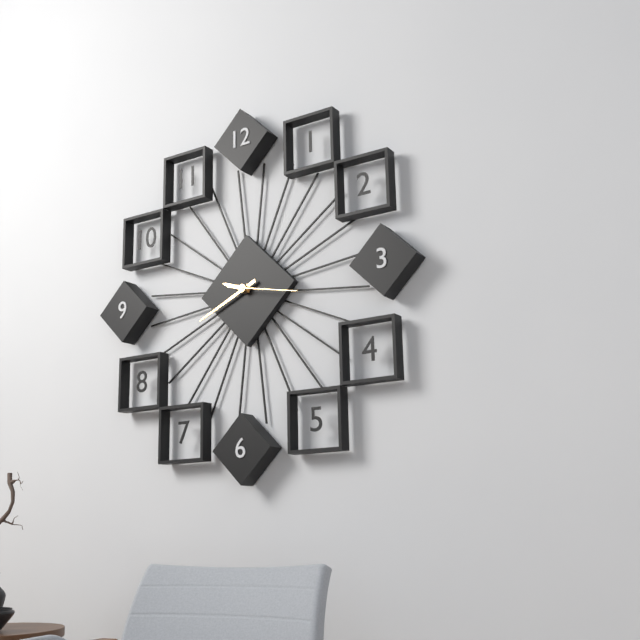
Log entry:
9 h 41 min 17 s
